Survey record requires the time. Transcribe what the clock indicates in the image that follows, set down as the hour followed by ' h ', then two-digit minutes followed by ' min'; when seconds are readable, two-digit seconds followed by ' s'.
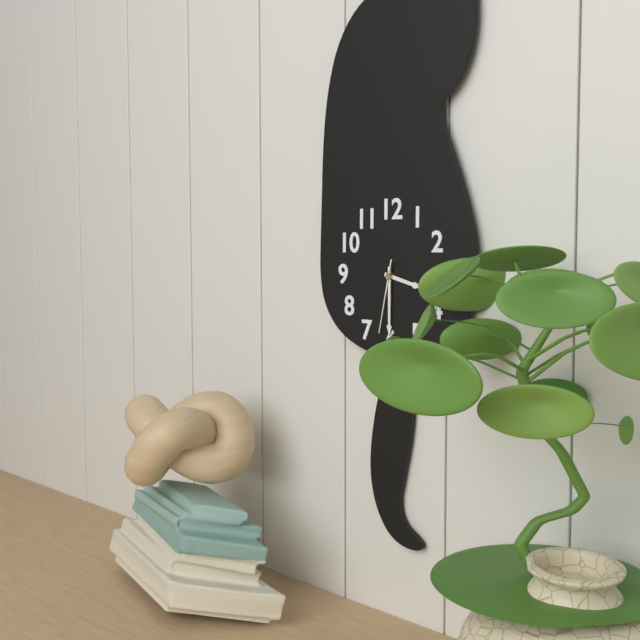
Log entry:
3 h 30 min 32 s
